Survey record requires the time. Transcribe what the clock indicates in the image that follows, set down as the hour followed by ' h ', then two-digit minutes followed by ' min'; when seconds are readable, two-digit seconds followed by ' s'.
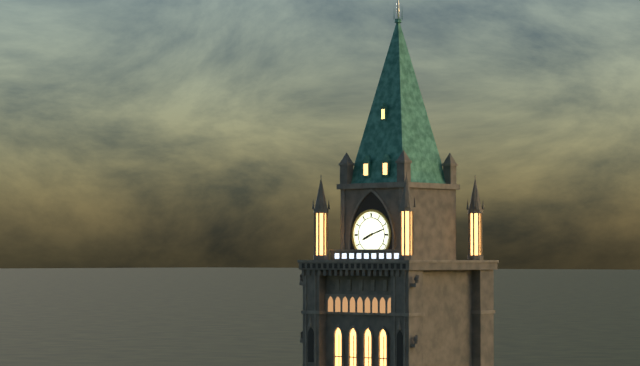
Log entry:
8 h 12 min
